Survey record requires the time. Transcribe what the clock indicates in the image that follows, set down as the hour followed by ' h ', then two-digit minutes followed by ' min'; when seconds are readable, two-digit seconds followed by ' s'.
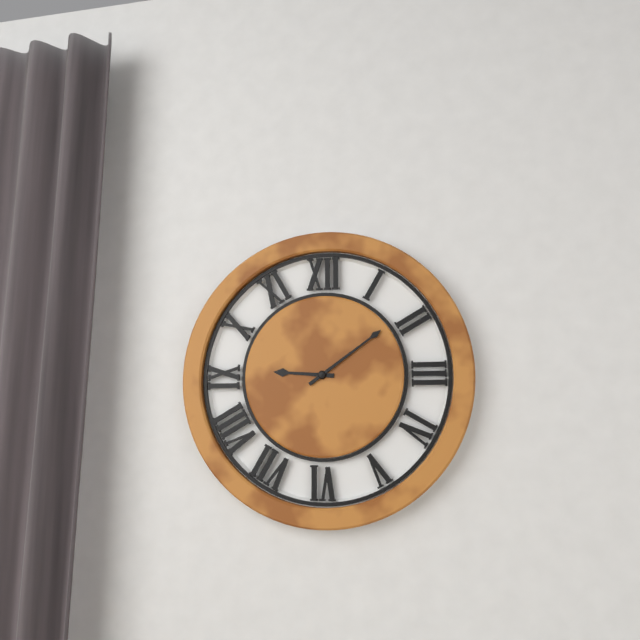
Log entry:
9 h 09 min
